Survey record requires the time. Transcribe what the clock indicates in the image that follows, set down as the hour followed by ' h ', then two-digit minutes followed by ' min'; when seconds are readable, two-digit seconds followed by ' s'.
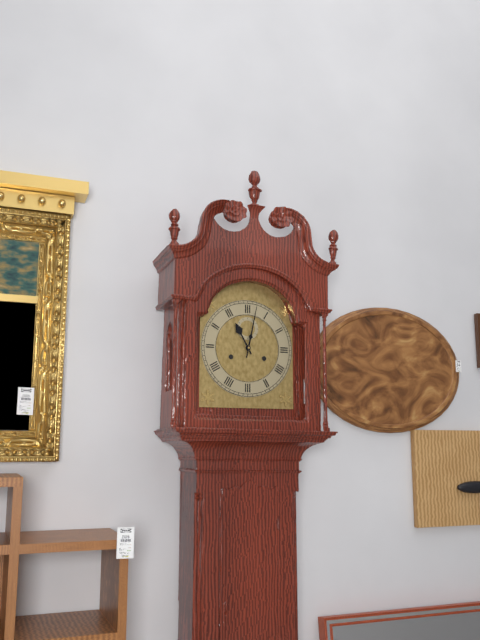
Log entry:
11 h 02 min
